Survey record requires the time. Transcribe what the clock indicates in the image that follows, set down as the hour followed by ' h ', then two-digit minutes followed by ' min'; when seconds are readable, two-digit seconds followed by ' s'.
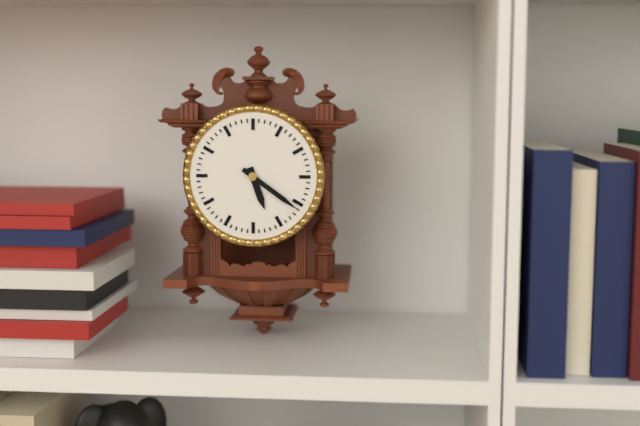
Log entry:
5 h 21 min
